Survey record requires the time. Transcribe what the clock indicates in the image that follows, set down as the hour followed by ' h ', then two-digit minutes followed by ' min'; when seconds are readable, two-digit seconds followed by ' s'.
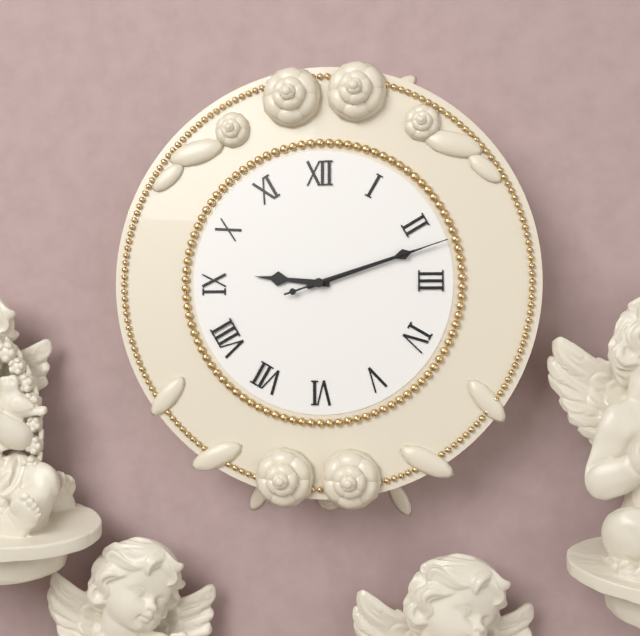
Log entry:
9 h 12 min 12 s
